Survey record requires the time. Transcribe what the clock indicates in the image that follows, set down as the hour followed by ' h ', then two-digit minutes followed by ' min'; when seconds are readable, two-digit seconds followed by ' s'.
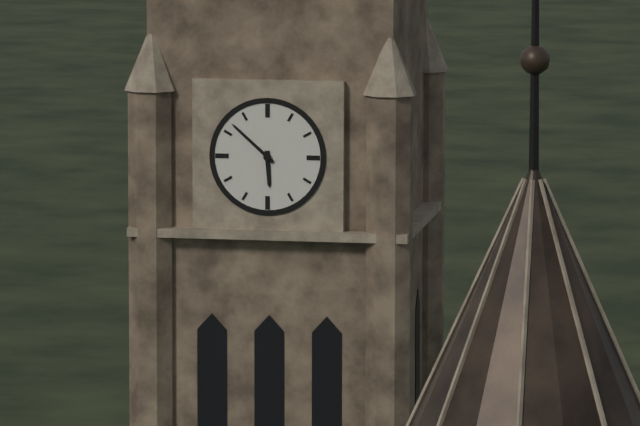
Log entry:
5 h 52 min
